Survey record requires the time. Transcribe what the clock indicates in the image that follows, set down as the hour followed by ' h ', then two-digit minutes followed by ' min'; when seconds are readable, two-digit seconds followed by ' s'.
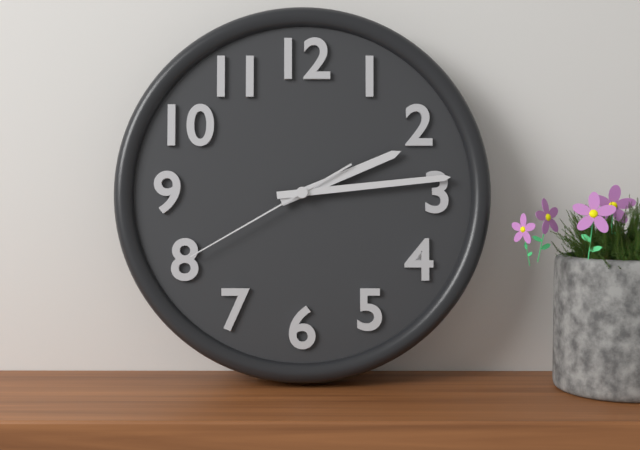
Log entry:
2 h 14 min 40 s
